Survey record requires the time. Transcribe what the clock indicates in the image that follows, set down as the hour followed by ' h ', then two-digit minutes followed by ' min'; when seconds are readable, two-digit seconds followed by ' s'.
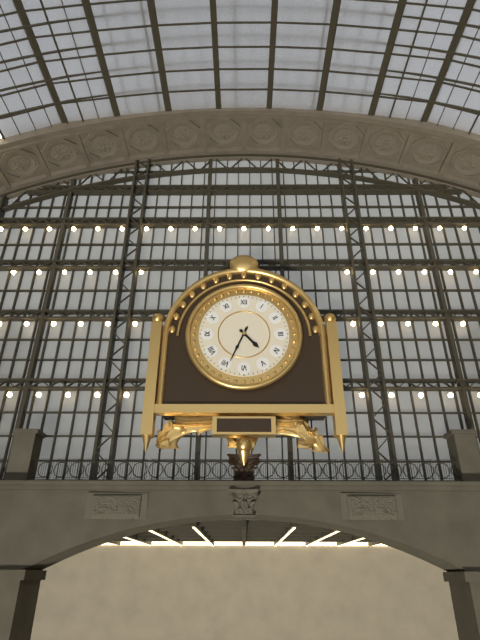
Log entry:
4 h 34 min
